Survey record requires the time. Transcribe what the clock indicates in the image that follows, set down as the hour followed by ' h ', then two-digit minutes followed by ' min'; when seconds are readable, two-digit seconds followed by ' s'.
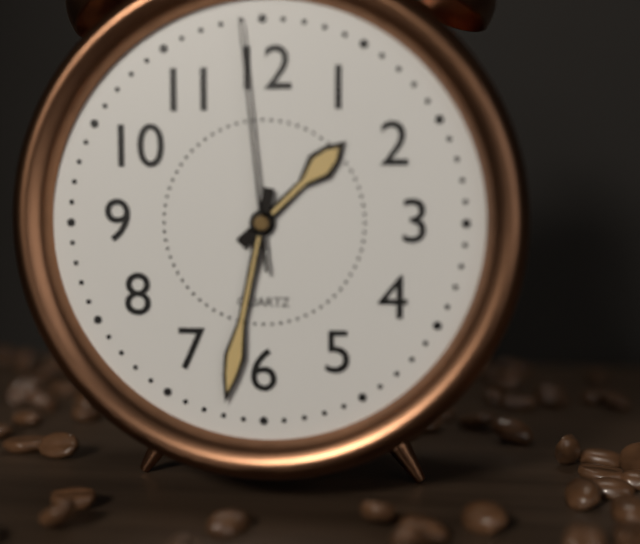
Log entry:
1 h 32 min 59 s
